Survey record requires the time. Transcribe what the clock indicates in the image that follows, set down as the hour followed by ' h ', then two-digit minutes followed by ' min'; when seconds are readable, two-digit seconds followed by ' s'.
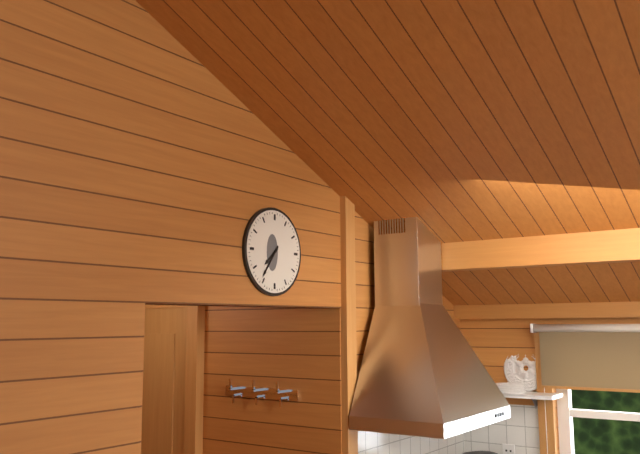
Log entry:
7 h 36 min
